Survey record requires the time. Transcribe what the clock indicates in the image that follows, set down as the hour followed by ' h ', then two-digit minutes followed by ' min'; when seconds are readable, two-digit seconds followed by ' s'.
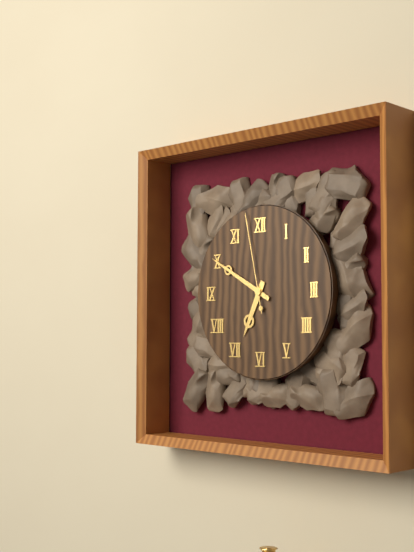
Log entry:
6 h 50 min 58 s
